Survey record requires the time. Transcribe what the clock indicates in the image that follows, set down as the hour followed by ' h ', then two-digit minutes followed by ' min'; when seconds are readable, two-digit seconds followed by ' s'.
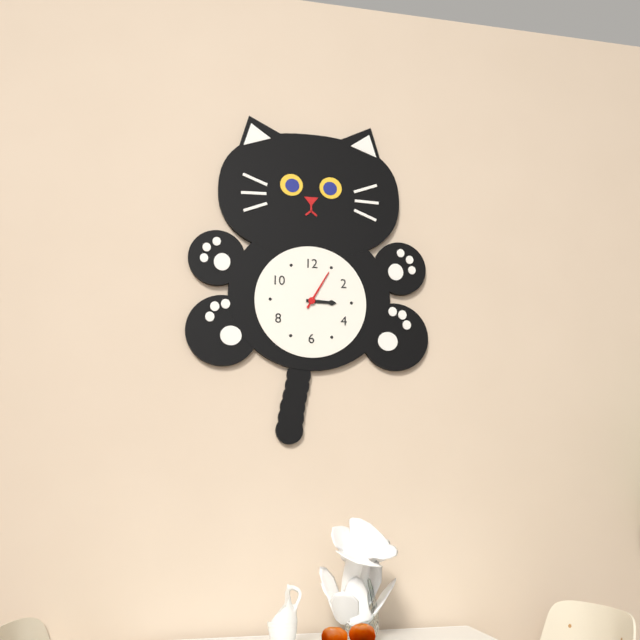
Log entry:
3 h 05 min
